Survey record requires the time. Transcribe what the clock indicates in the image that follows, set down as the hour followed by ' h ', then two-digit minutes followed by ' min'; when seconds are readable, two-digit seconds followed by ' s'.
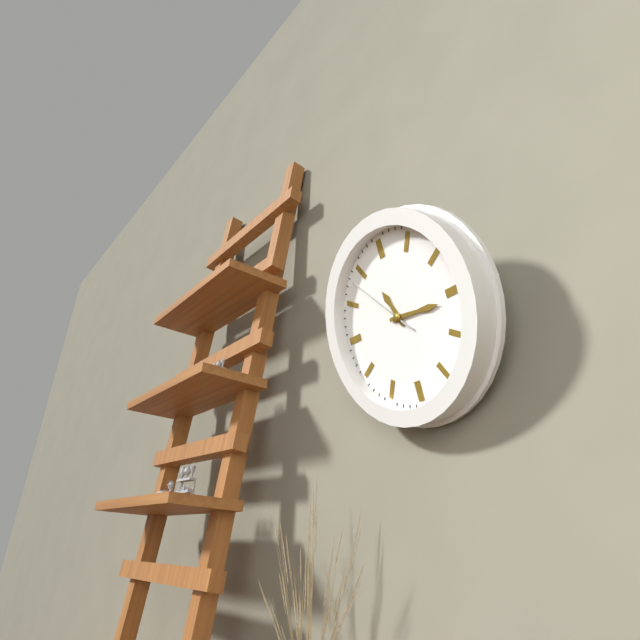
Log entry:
11 h 16 min 53 s
